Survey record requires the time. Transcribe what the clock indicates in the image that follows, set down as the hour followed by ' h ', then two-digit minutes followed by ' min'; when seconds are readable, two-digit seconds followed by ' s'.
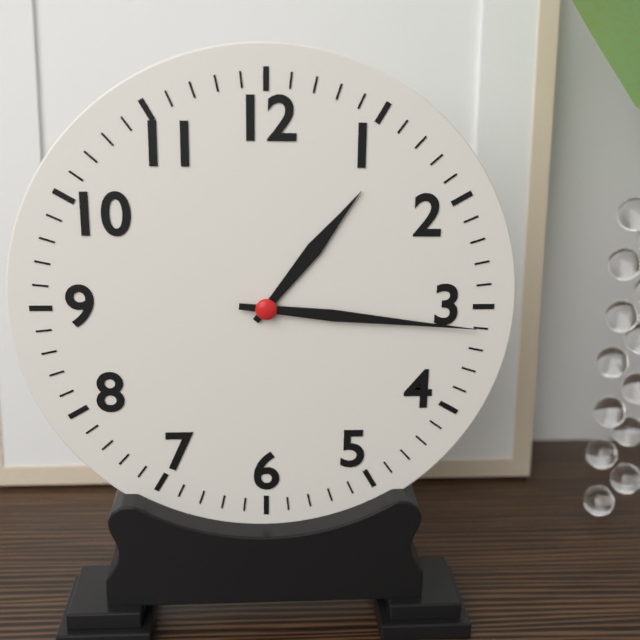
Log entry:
1 h 16 min
